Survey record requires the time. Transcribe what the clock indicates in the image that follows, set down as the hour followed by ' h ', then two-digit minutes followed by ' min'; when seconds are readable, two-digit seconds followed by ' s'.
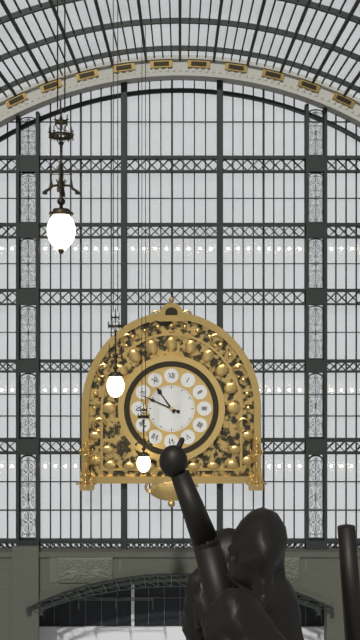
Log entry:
10 h 49 min
